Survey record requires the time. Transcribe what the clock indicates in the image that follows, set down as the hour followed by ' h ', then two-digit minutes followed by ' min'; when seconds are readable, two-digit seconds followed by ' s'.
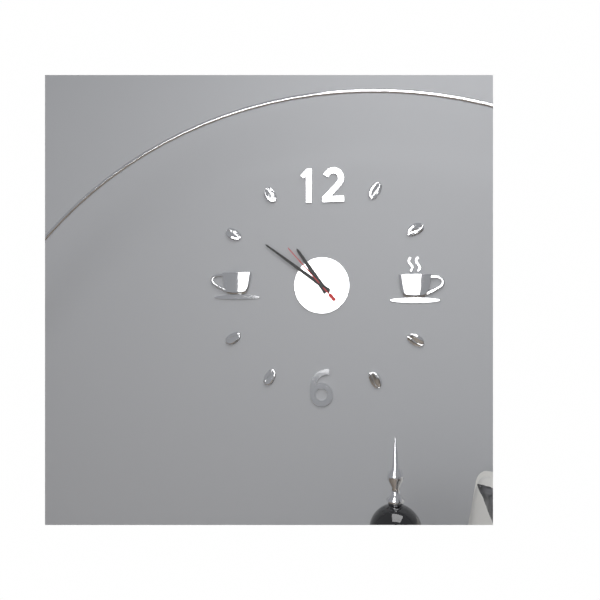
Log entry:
10 h 51 min 53 s
